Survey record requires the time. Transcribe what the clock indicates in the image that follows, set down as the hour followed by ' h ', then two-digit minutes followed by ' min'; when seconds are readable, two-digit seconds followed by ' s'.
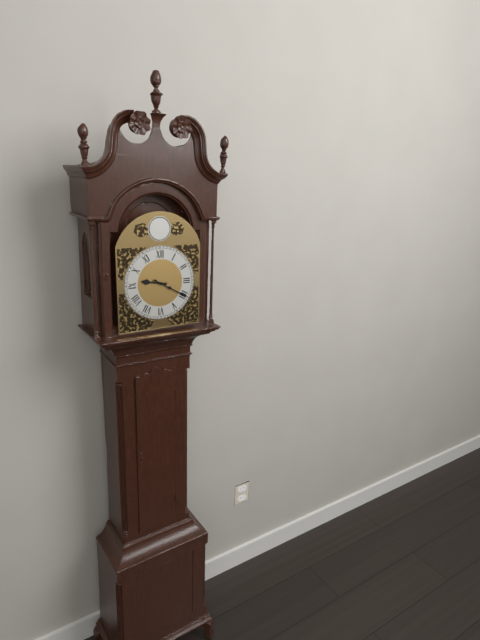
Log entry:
9 h 20 min
